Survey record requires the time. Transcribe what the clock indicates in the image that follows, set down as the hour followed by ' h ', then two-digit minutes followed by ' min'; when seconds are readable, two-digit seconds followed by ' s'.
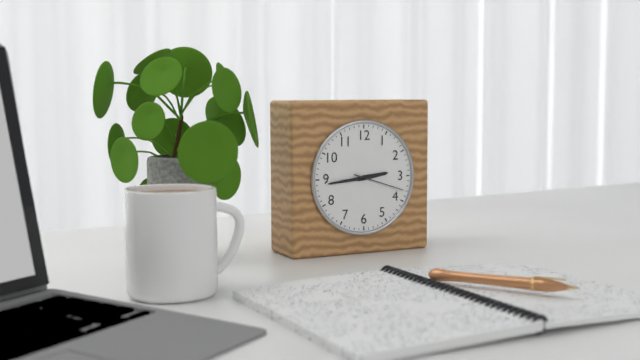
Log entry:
2 h 44 min 18 s
